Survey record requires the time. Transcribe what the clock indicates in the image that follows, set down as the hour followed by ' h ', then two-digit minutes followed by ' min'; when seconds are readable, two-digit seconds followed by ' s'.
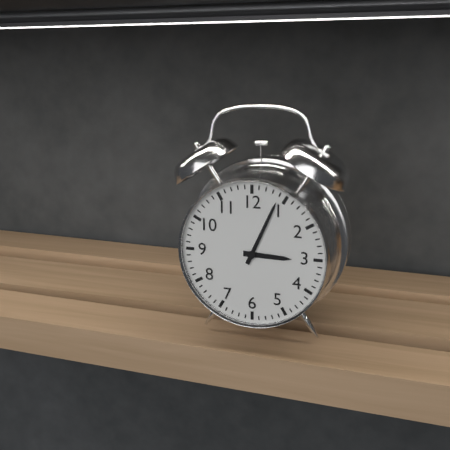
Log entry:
3 h 04 min
